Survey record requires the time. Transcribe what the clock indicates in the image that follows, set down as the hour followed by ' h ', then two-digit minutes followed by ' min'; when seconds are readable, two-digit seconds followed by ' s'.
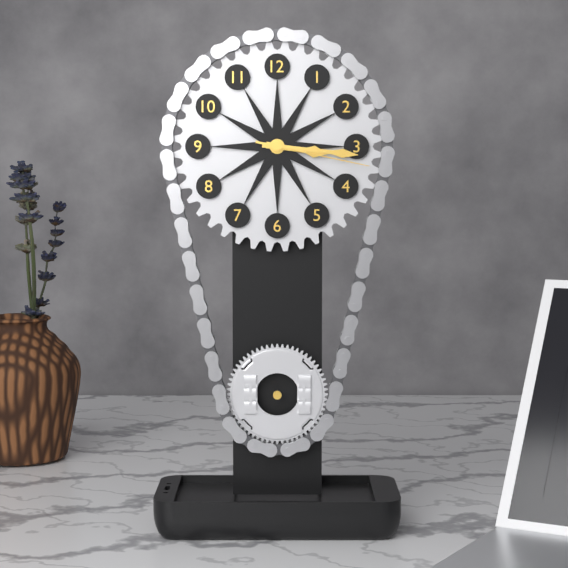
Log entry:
3 h 16 min 17 s
